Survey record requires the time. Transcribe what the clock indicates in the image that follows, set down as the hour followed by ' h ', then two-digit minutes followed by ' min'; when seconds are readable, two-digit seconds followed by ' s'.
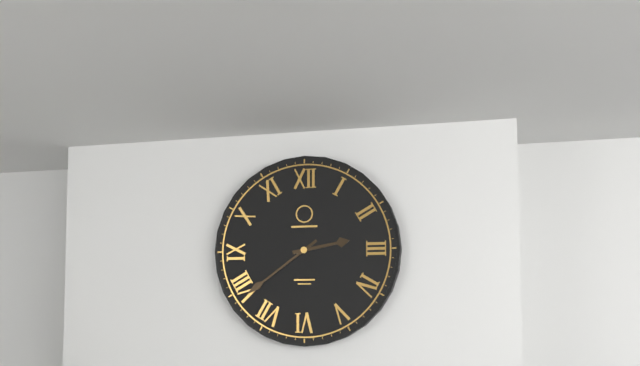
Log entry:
2 h 39 min
